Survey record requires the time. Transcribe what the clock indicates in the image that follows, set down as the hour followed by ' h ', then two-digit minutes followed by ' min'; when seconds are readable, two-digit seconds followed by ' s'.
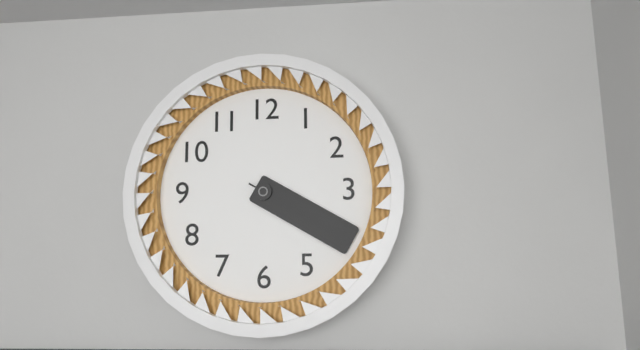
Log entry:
4 h 20 min 20 s
